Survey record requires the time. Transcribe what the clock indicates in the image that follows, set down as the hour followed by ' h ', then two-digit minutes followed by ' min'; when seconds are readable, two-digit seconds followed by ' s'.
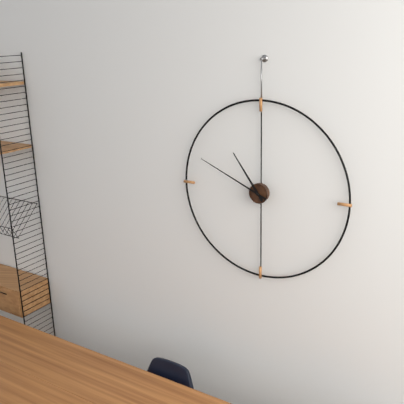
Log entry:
10 h 49 min
